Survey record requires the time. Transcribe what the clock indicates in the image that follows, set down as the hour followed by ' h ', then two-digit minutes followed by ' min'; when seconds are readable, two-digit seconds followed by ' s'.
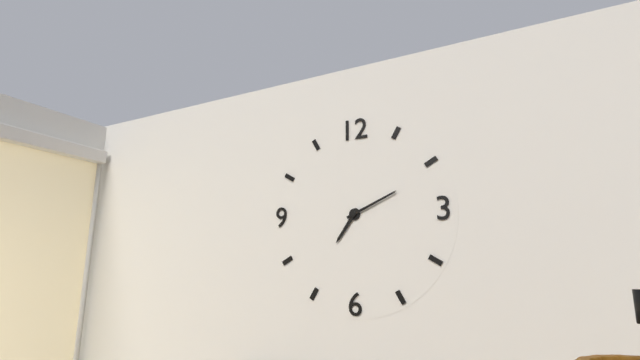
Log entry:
7 h 11 min
